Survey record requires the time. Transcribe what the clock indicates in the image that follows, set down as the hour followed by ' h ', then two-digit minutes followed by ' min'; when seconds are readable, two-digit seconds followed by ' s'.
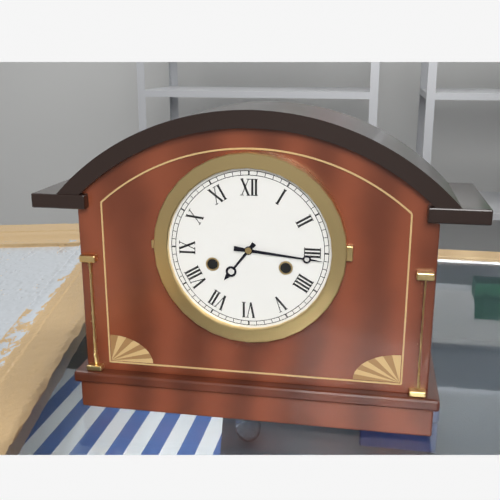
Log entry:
7 h 16 min
